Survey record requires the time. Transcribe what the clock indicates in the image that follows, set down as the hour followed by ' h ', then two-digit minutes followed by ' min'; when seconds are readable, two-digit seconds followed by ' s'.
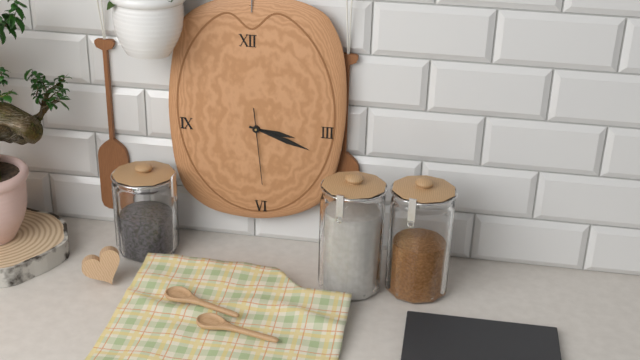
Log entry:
3 h 18 min 29 s
